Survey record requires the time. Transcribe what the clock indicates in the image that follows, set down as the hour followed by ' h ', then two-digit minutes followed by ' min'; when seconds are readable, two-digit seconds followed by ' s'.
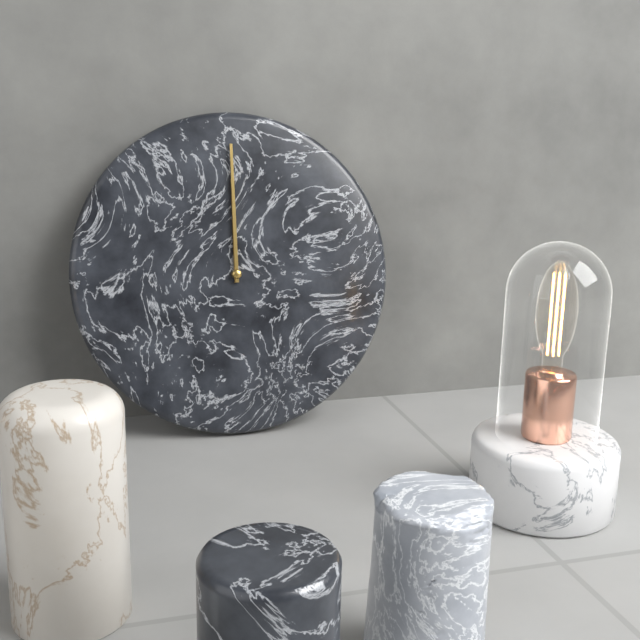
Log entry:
12 h 00 min
